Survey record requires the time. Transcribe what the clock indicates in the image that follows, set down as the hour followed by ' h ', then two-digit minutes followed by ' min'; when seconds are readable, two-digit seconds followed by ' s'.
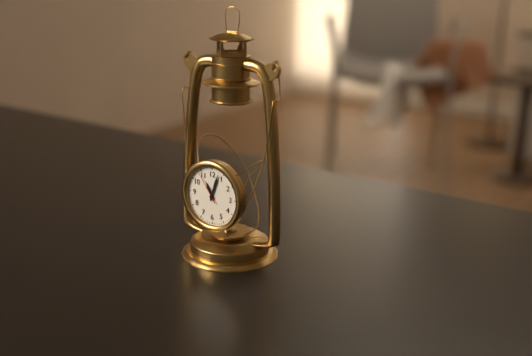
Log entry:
11 h 03 min
